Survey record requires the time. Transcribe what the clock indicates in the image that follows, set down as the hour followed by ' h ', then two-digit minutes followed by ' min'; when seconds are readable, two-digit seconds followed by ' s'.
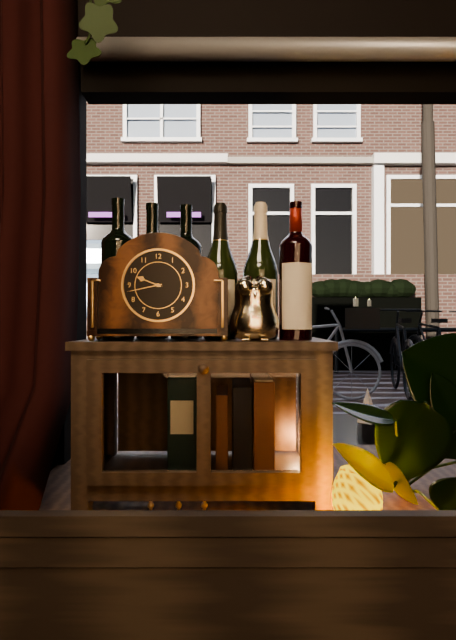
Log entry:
9 h 43 min
